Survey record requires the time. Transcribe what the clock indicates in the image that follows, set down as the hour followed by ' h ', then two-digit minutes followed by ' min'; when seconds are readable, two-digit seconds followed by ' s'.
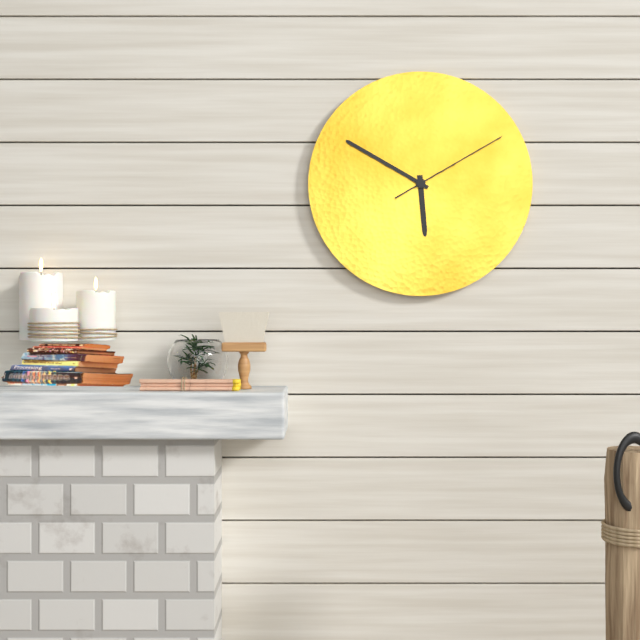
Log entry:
5 h 50 min 10 s
